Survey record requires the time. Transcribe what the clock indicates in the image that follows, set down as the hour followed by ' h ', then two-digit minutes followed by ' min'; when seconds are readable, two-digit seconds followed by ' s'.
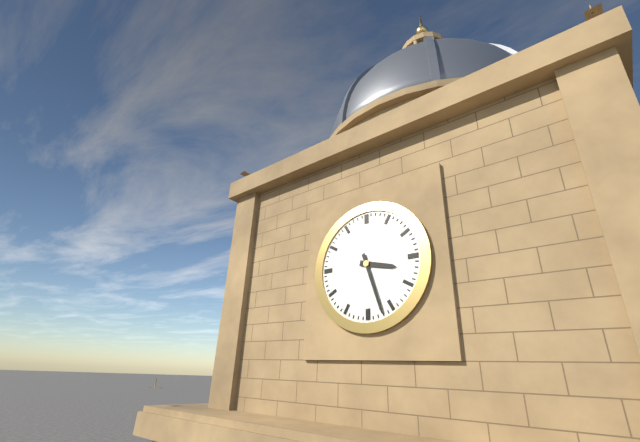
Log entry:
3 h 27 min
